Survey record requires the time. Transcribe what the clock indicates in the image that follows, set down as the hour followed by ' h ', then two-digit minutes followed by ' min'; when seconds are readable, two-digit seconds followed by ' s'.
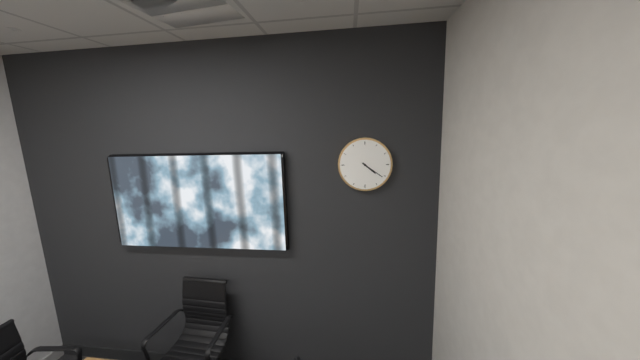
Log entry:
4 h 21 min
